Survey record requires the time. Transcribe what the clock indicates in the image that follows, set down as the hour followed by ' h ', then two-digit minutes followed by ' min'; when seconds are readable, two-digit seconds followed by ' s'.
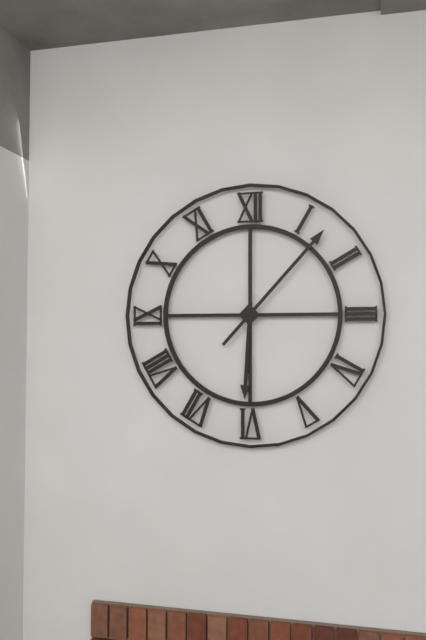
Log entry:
6 h 07 min
